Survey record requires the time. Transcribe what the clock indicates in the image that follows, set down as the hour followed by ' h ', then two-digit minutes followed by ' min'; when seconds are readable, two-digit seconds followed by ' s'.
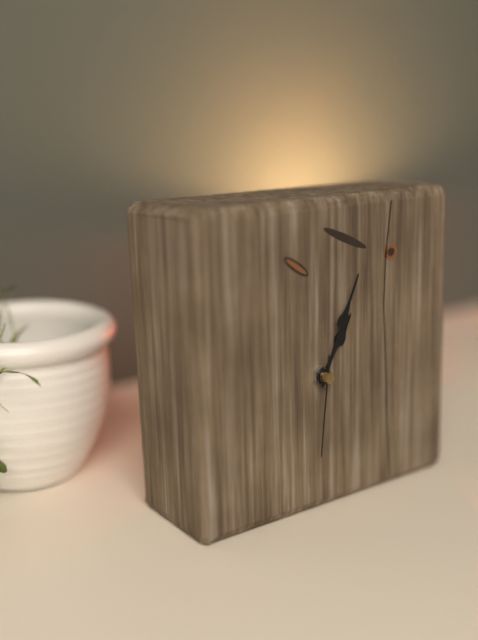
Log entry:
1 h 04 min 31 s
